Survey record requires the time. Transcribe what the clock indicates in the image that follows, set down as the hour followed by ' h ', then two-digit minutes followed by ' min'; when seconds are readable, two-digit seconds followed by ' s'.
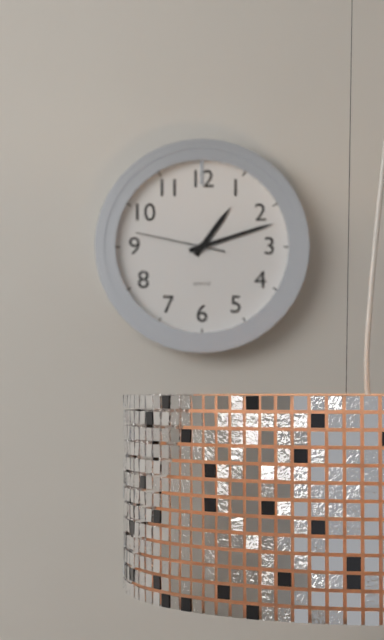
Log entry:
1 h 12 min 47 s
